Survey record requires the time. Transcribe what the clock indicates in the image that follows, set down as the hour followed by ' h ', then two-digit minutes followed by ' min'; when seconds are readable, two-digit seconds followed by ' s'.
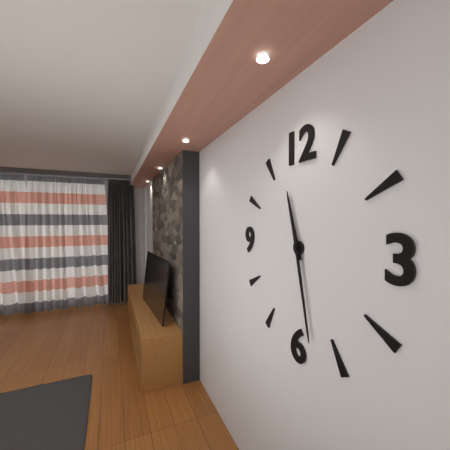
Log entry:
11 h 28 min
